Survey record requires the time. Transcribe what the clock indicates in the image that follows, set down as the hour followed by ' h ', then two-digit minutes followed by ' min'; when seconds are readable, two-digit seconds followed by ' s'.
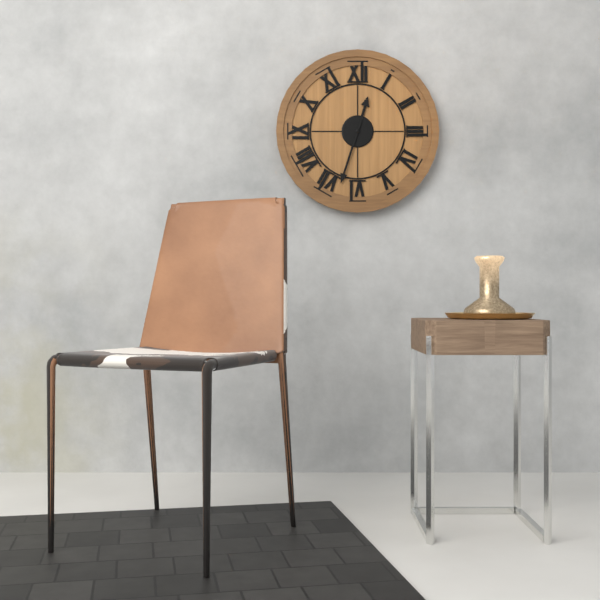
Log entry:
12 h 33 min
